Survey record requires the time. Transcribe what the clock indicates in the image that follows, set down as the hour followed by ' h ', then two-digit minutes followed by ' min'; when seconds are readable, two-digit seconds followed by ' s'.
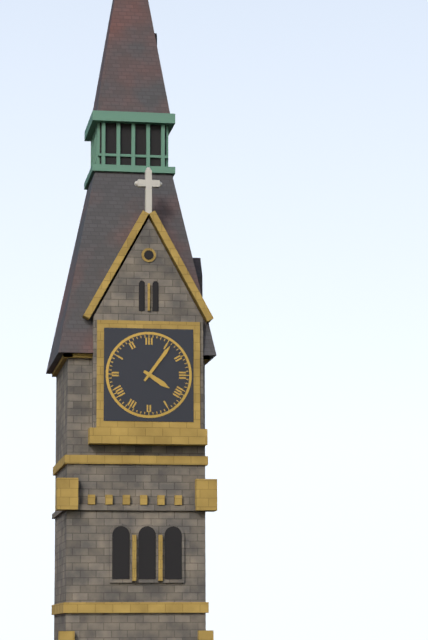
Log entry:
4 h 06 min
